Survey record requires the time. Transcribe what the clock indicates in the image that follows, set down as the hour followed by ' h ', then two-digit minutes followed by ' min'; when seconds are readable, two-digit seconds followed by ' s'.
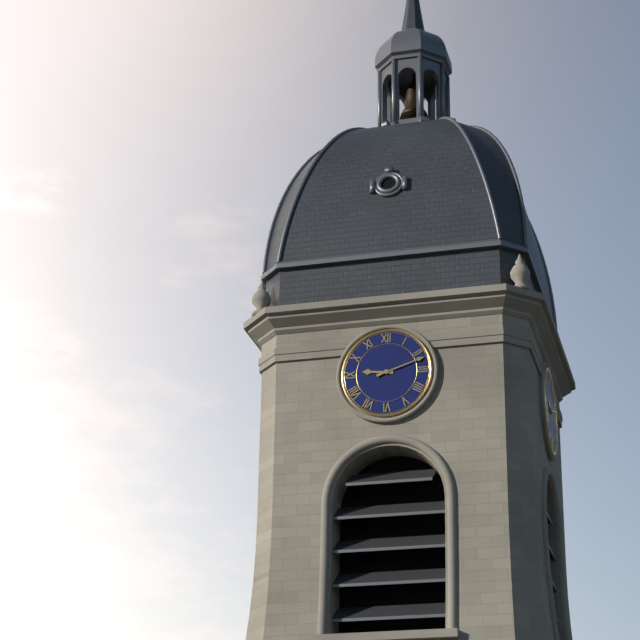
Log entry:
9 h 12 min
